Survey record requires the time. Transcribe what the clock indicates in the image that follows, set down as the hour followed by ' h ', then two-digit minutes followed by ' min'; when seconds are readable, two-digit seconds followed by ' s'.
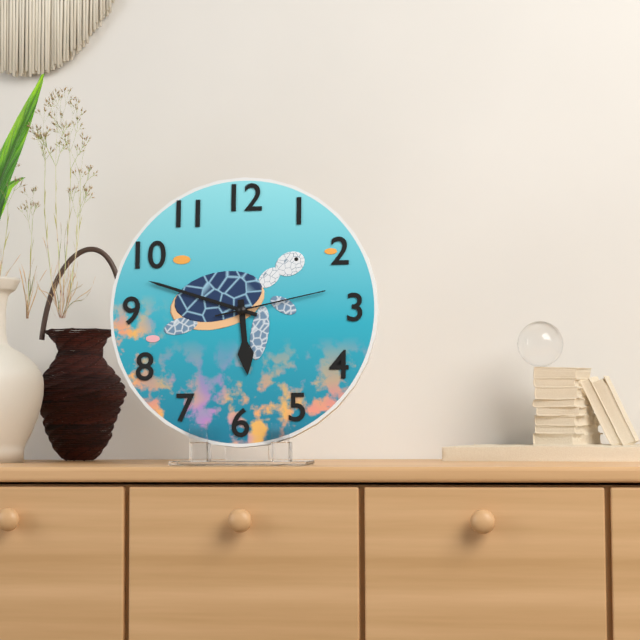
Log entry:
5 h 48 min 13 s
